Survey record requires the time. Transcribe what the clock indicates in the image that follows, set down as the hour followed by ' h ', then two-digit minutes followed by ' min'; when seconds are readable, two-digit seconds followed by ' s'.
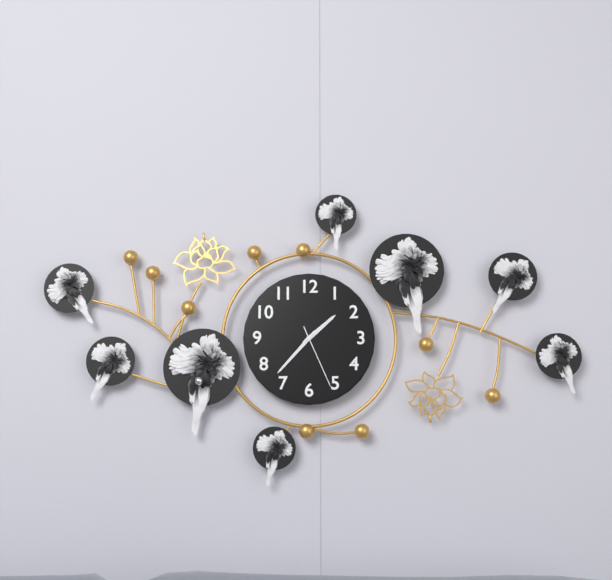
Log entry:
1 h 37 min 26 s
